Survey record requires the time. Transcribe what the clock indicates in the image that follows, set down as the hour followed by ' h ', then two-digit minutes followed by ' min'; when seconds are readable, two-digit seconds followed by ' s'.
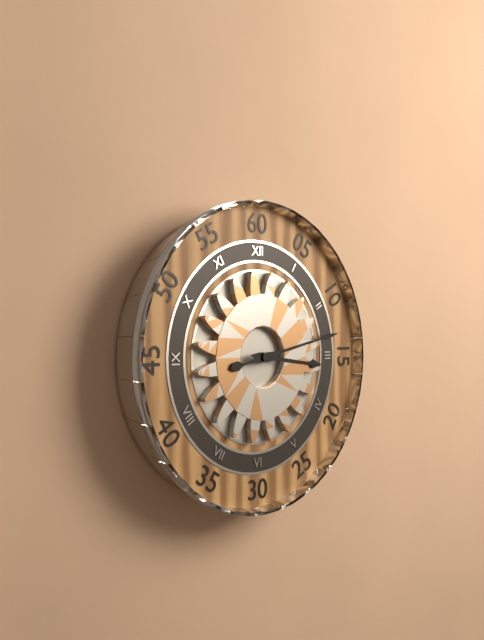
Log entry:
3 h 13 min
